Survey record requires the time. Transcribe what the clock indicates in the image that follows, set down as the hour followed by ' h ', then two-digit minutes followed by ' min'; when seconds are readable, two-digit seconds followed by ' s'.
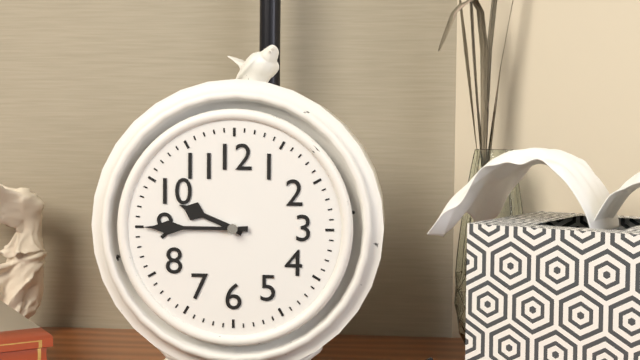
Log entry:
9 h 45 min
